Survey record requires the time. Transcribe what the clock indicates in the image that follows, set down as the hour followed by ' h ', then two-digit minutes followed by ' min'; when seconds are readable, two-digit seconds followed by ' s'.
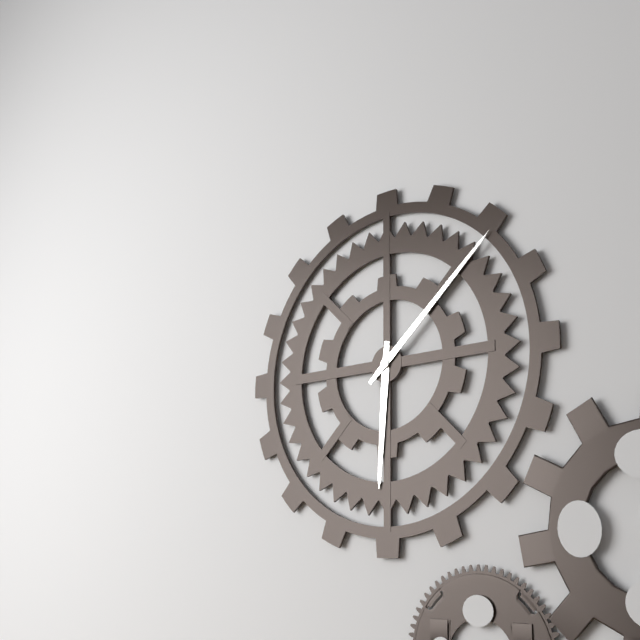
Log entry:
6 h 08 min
